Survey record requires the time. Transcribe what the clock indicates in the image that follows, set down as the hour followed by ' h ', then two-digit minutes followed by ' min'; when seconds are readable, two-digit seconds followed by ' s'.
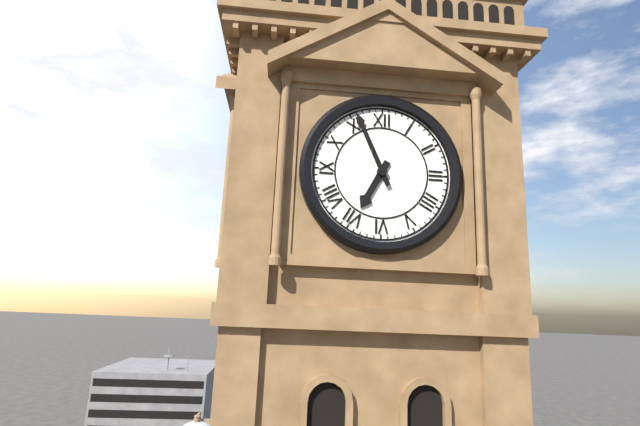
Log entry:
6 h 56 min
